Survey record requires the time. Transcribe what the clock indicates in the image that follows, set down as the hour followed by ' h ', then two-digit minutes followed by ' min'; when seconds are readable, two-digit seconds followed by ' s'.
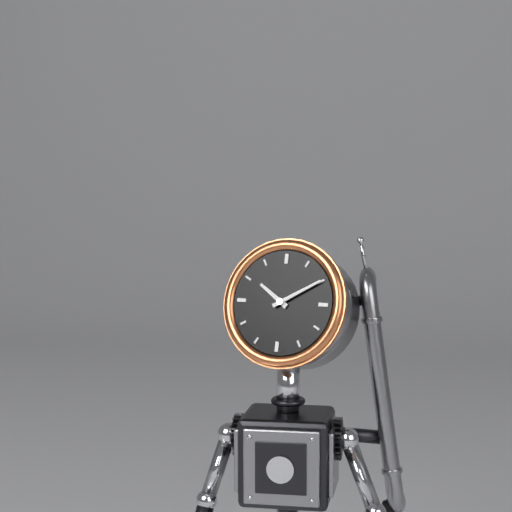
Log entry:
10 h 10 min
